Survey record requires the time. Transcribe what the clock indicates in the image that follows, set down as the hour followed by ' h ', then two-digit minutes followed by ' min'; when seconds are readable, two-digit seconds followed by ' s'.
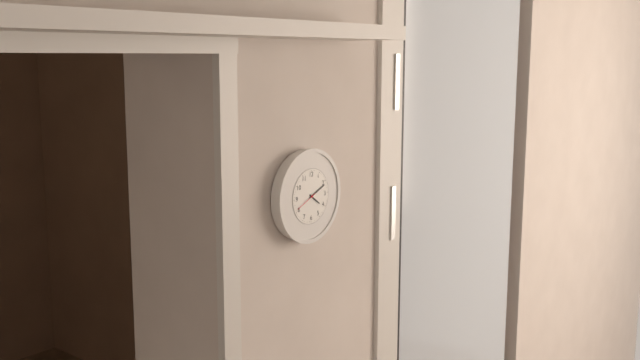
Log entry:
4 h 11 min
